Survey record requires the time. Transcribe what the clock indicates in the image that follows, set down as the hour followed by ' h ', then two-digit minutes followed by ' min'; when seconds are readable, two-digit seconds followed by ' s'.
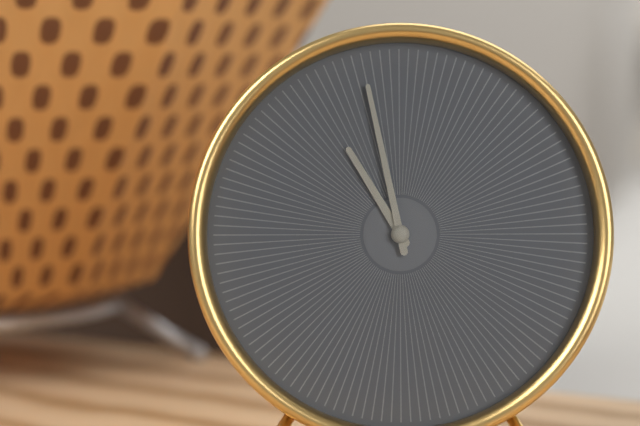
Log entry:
10 h 58 min
